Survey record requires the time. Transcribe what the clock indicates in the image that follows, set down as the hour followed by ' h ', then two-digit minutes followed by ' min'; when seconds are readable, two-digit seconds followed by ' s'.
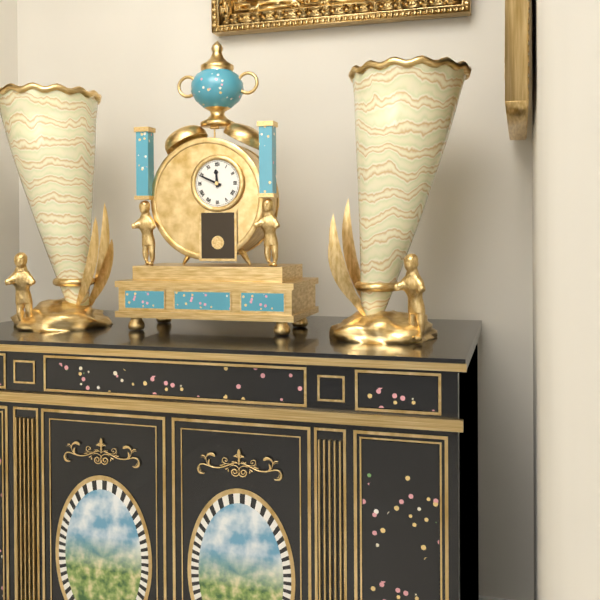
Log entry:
11 h 49 min
